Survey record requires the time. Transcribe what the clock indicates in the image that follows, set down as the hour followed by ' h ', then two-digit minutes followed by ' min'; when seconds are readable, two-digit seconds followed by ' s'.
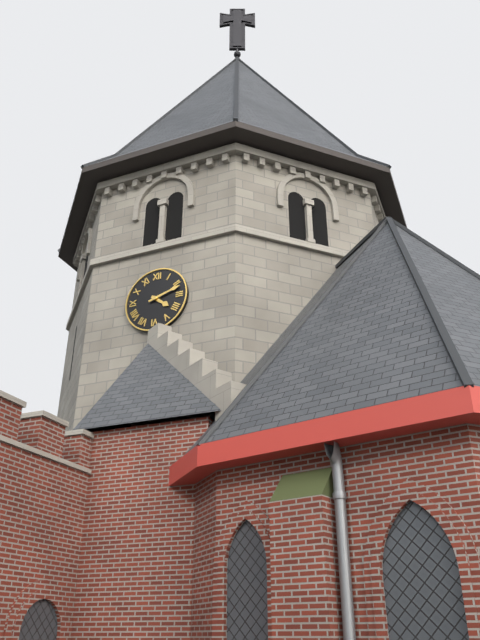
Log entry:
4 h 12 min
